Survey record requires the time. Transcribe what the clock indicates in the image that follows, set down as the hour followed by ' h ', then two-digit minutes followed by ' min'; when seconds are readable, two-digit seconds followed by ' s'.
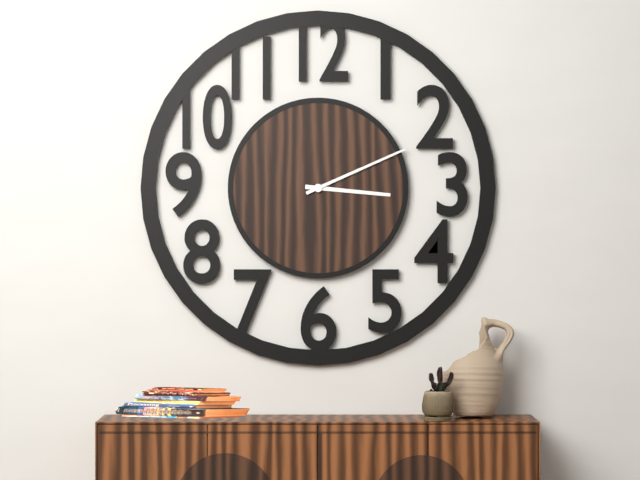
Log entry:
3 h 11 min
